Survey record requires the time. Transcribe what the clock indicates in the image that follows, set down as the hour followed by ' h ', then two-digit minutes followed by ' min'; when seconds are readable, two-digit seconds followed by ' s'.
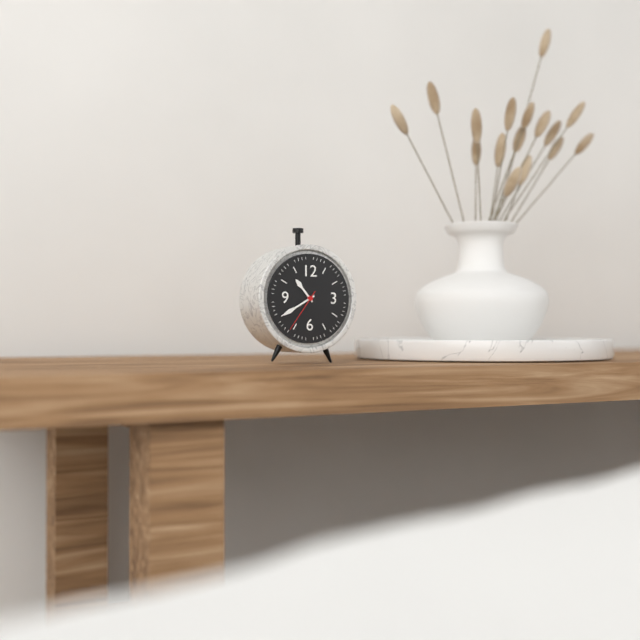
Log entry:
10 h 40 min
